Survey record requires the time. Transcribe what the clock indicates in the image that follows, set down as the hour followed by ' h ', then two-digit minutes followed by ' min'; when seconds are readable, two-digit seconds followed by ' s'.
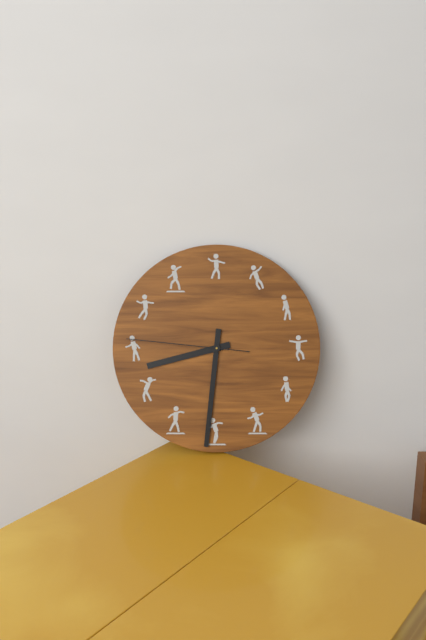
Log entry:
8 h 31 min 46 s
